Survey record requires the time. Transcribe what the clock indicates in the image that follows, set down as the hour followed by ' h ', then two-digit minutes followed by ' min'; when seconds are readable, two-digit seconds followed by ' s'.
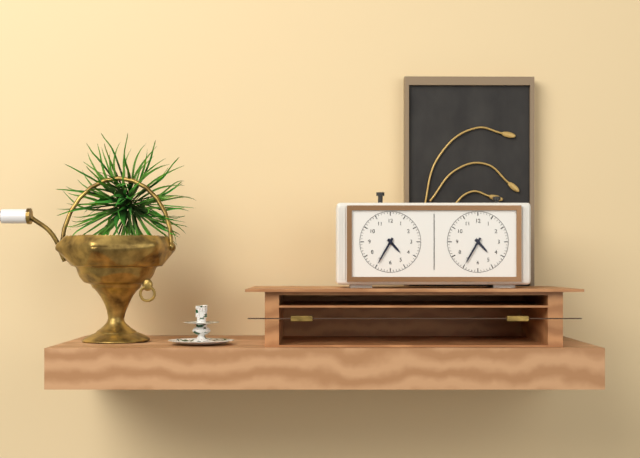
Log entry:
4 h 35 min
